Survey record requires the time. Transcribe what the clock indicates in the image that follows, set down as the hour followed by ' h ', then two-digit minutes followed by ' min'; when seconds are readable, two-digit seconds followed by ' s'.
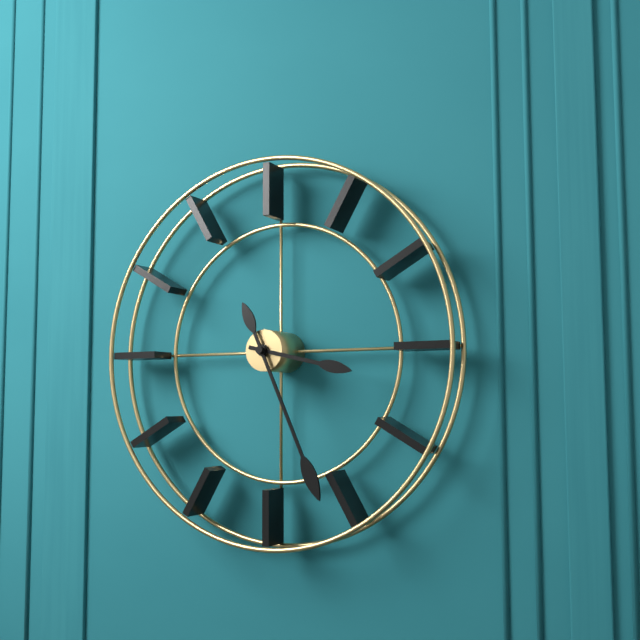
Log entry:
3 h 26 min
